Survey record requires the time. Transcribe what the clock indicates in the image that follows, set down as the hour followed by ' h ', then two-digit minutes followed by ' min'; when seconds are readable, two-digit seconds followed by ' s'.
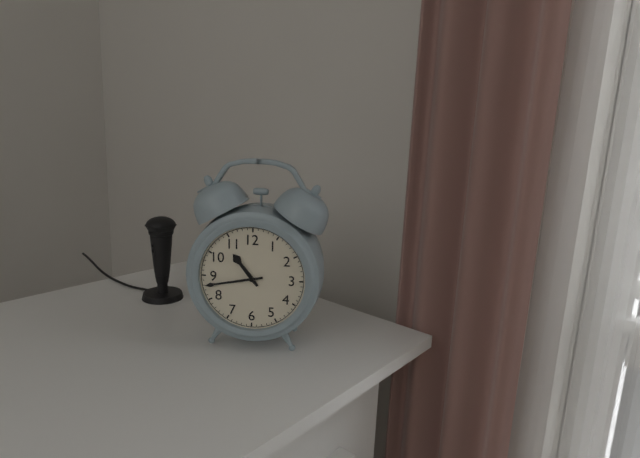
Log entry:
10 h 43 min
